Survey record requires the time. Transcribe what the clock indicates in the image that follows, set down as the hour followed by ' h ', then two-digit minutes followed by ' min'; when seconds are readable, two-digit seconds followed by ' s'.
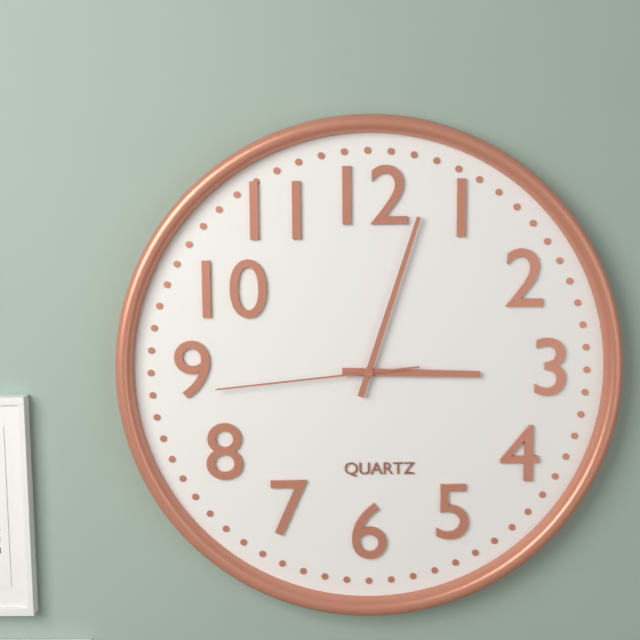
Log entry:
3 h 03 min 44 s
